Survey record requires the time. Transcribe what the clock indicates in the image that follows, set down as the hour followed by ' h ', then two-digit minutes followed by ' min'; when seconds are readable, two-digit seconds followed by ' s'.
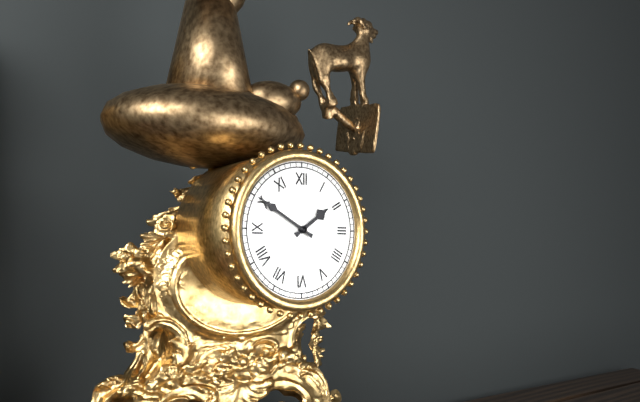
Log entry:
1 h 50 min
